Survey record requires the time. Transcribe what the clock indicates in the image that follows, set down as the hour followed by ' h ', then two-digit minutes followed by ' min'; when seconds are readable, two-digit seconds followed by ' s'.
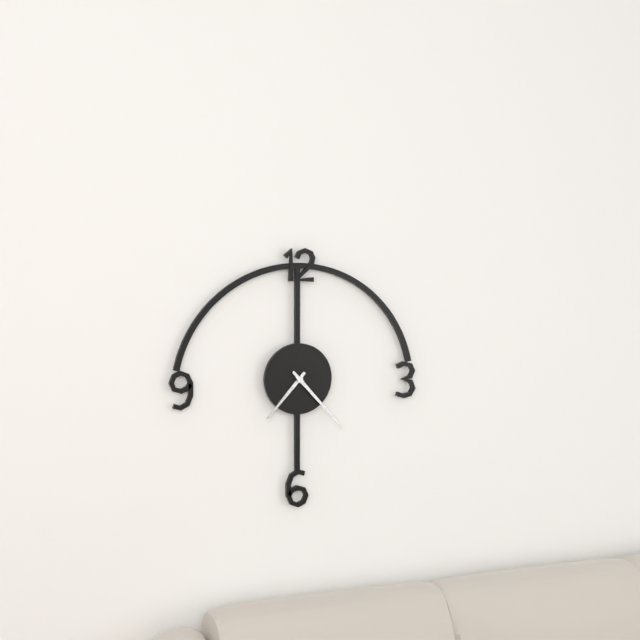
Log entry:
7 h 23 min
